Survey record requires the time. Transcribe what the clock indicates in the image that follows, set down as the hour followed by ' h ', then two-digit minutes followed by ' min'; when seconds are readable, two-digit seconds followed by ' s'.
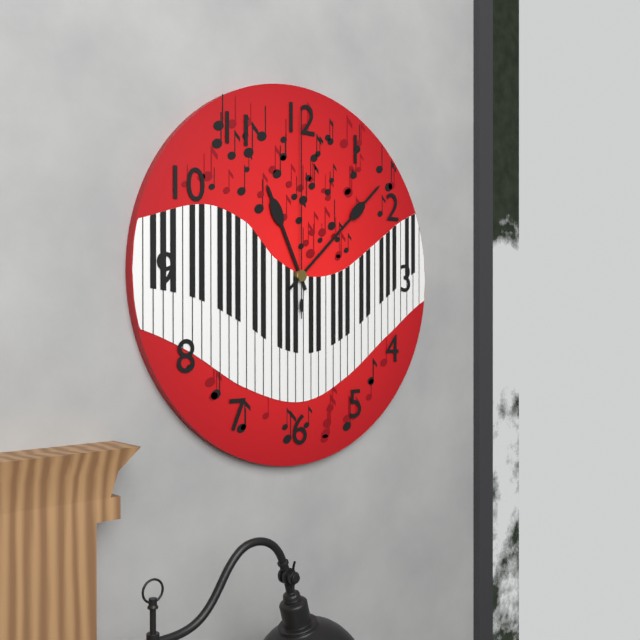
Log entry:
11 h 08 min 00 s
